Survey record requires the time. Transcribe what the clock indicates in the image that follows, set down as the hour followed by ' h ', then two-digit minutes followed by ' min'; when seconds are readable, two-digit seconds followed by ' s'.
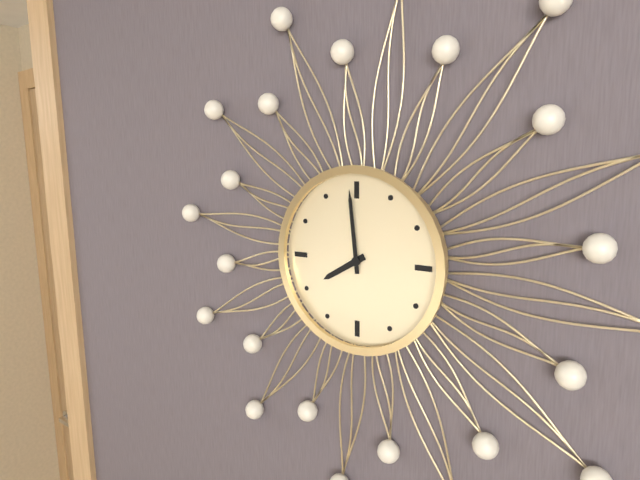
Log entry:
7 h 59 min
